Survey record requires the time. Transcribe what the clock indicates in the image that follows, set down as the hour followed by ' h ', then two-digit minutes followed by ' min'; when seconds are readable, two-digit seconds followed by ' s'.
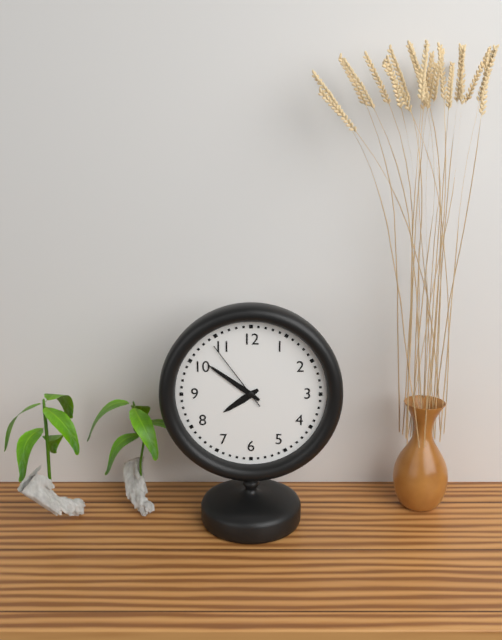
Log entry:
7 h 51 min 54 s
